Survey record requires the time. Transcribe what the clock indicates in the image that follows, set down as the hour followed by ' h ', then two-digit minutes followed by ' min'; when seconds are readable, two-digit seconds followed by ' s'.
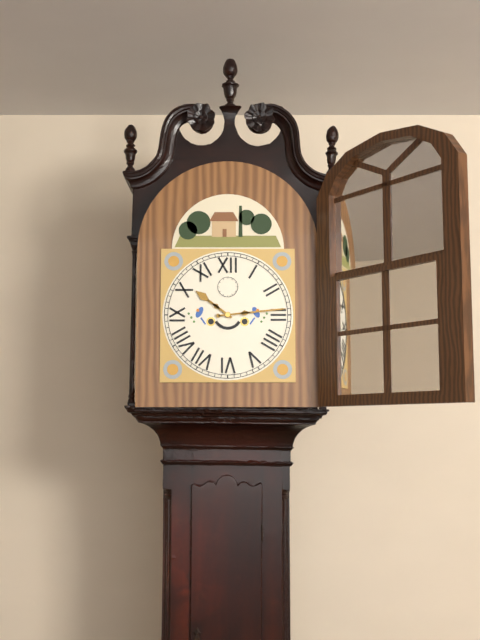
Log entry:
10 h 14 min
